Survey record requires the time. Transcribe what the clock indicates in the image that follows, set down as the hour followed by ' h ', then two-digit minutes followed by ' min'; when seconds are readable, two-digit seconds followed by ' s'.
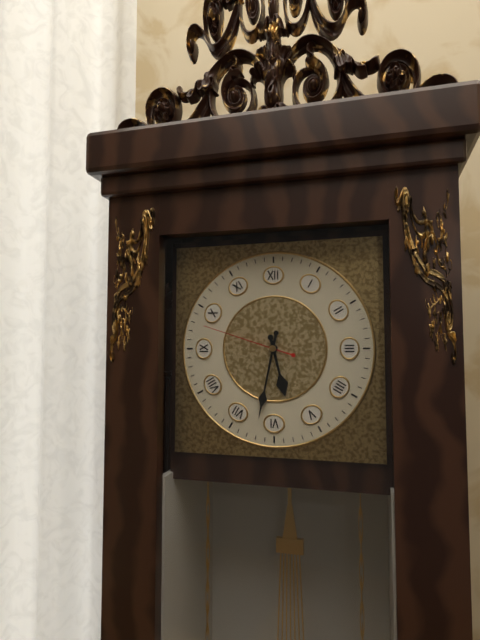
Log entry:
5 h 32 min 48 s
